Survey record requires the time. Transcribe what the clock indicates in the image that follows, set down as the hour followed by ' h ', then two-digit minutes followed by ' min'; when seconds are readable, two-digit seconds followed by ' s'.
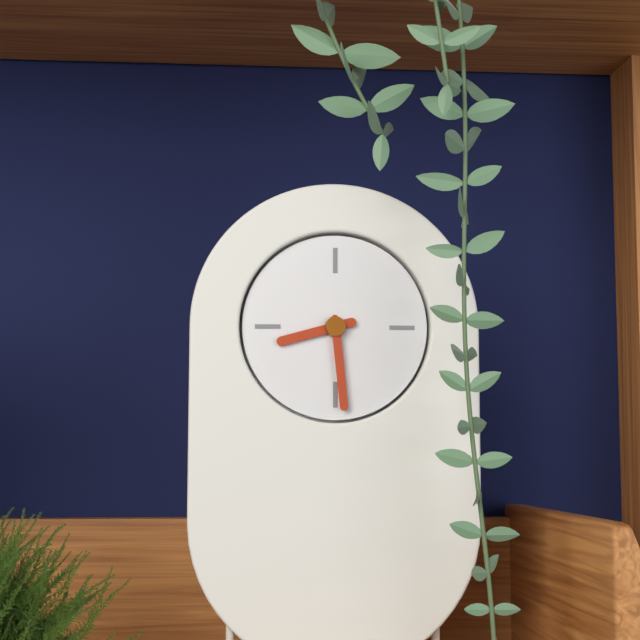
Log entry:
8 h 29 min
